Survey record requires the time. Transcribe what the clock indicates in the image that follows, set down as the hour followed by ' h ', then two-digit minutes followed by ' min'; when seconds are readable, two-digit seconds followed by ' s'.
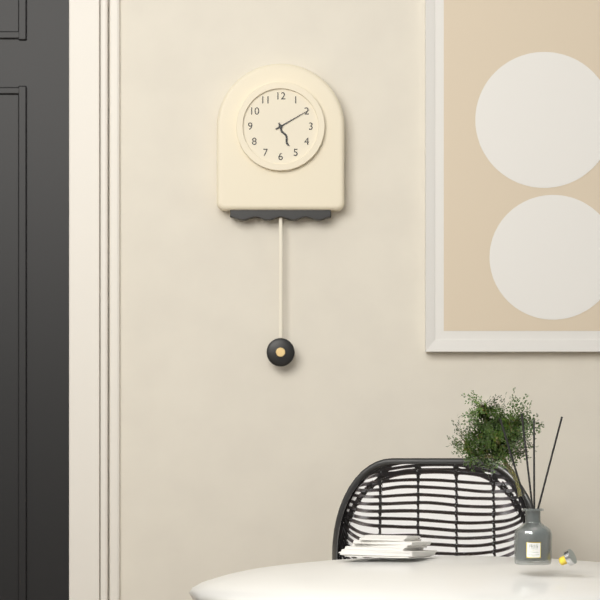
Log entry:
5 h 10 min
